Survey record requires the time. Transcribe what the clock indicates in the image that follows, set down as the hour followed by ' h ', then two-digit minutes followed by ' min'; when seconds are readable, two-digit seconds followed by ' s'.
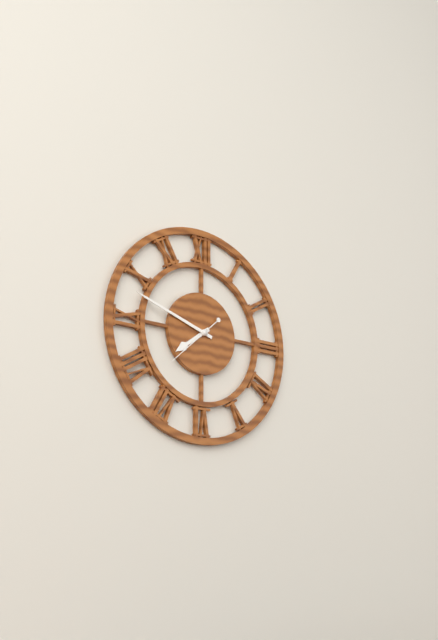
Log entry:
7 h 48 min
